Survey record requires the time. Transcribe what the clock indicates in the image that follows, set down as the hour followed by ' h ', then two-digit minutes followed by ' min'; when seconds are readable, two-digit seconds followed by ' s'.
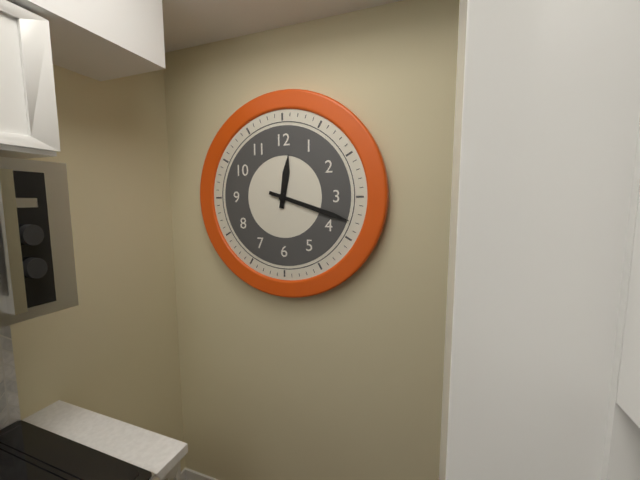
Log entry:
12 h 18 min
